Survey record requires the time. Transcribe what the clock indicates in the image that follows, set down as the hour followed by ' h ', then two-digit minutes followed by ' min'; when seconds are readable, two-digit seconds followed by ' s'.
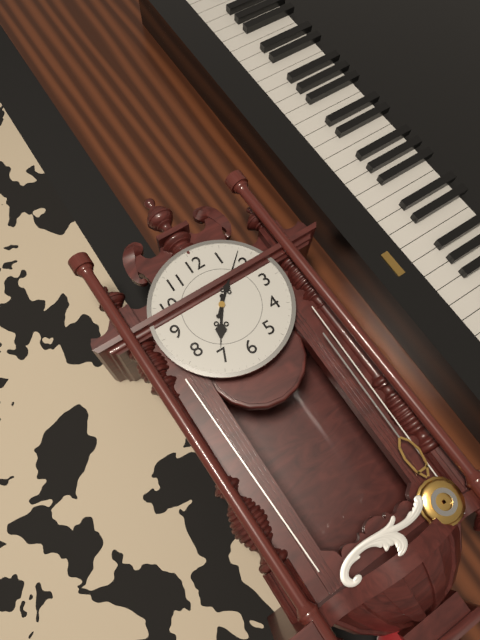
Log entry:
7 h 08 min
